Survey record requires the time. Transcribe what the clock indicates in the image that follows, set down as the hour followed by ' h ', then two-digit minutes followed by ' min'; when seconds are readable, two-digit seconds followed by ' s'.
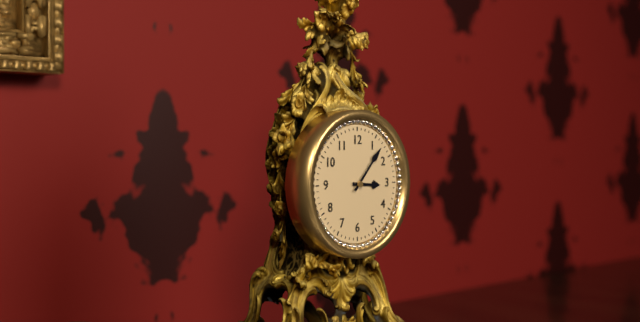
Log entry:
3 h 07 min
